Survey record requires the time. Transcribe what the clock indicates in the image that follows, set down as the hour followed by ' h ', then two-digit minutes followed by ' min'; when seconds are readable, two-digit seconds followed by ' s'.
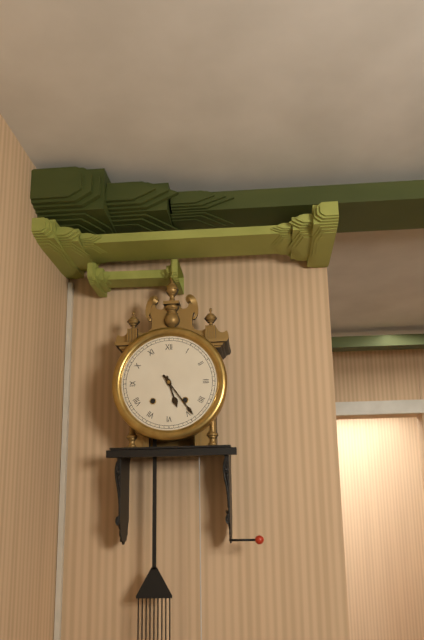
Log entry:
5 h 24 min
